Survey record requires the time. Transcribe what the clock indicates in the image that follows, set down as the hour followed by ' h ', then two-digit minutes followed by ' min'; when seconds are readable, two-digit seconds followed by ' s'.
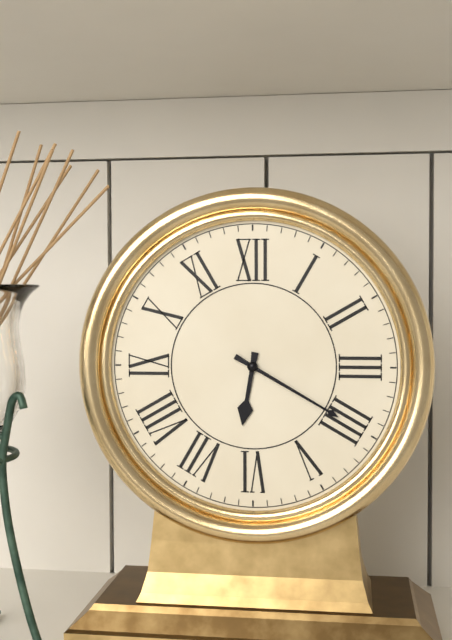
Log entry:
6 h 20 min
